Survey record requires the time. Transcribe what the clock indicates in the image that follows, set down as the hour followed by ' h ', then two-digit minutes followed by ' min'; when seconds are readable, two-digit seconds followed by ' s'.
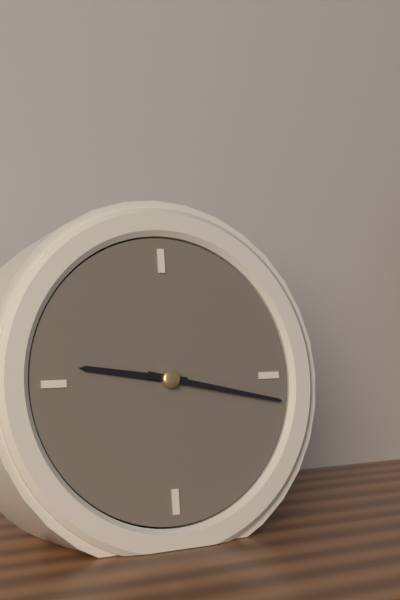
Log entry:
9 h 17 min
